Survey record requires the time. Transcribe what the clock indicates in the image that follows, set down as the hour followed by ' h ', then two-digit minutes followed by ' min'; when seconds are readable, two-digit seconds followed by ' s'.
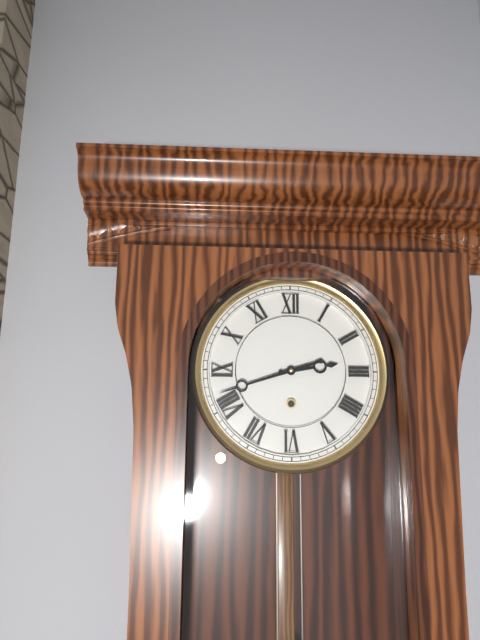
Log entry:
2 h 42 min
